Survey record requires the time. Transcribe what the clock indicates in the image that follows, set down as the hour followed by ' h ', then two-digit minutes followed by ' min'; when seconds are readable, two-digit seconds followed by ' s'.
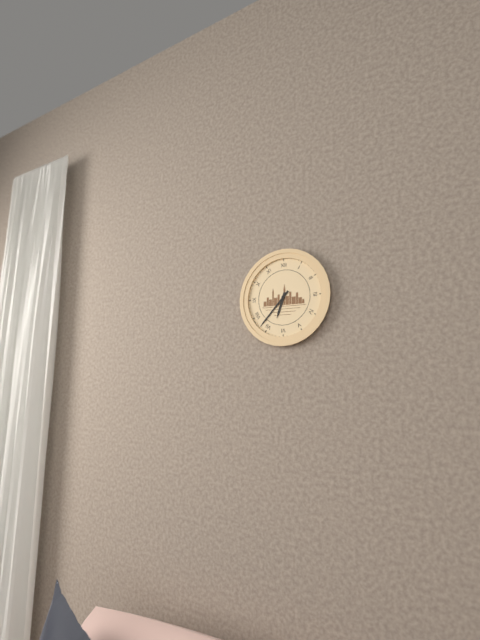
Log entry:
6 h 37 min
